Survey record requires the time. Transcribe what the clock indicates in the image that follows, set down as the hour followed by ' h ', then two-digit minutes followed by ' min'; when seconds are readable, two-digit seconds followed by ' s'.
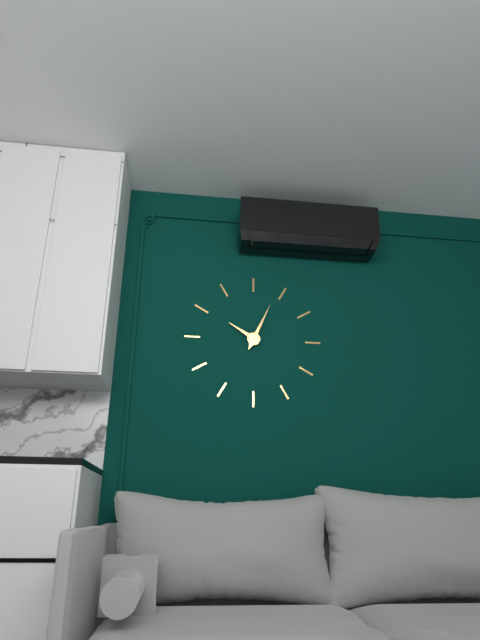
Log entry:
10 h 04 min
